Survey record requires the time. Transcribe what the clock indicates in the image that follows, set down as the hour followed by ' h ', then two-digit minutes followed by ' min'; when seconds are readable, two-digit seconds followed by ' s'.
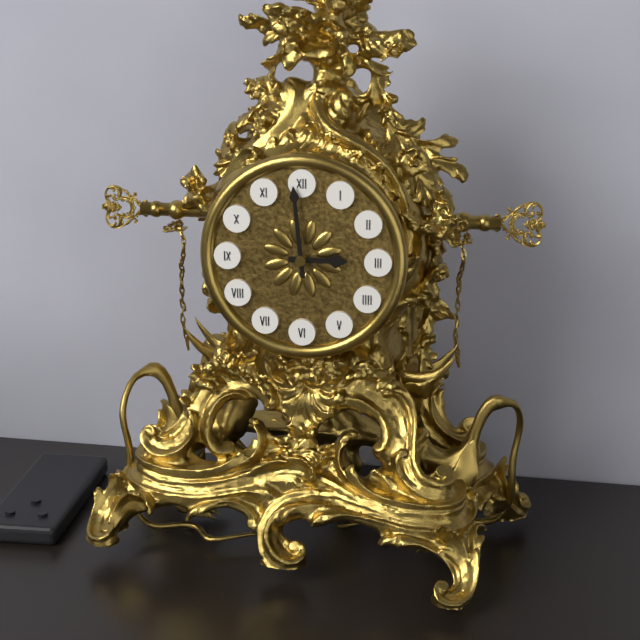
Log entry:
2 h 59 min
